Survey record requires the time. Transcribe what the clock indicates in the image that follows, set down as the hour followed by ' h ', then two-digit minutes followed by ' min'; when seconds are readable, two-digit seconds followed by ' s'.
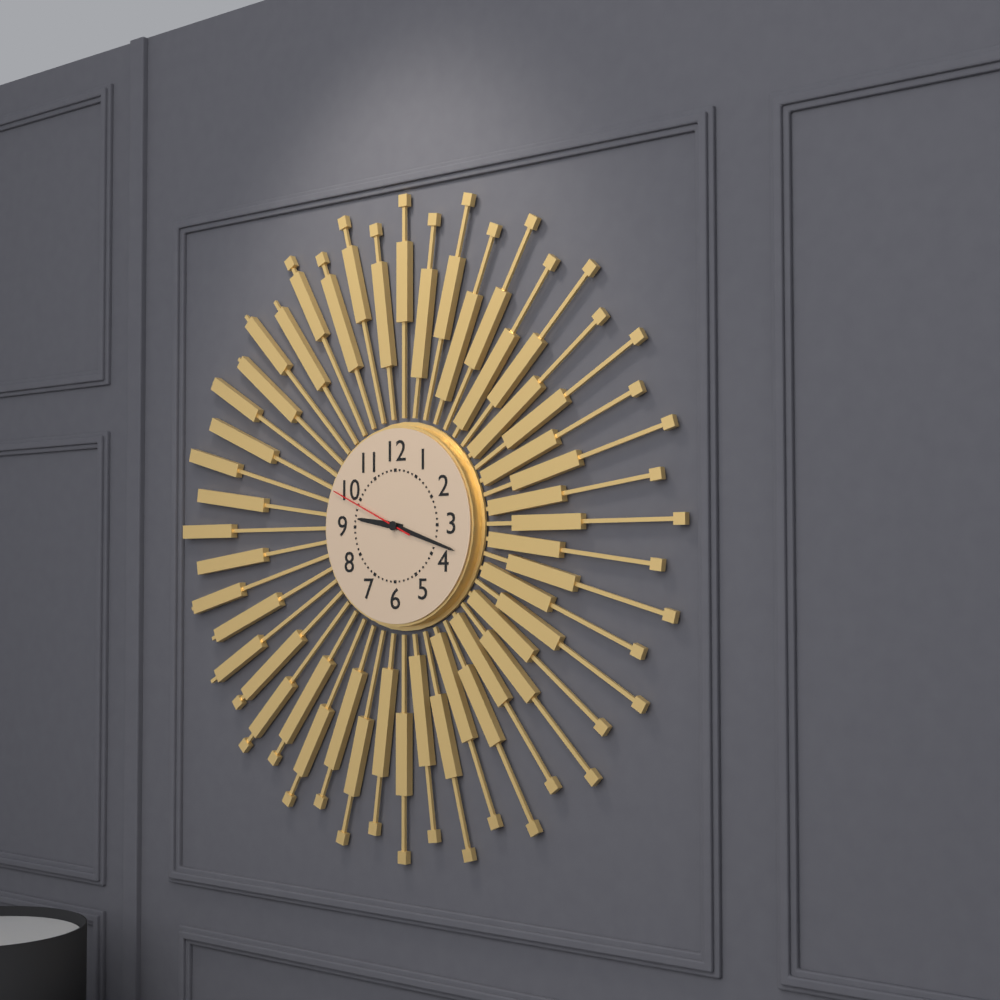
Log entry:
9 h 18 min 49 s
